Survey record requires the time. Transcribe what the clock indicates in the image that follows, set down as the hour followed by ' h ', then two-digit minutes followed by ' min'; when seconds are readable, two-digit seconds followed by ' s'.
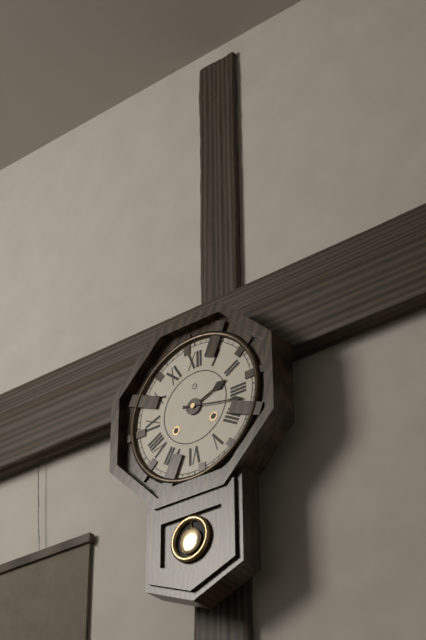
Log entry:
2 h 17 min
